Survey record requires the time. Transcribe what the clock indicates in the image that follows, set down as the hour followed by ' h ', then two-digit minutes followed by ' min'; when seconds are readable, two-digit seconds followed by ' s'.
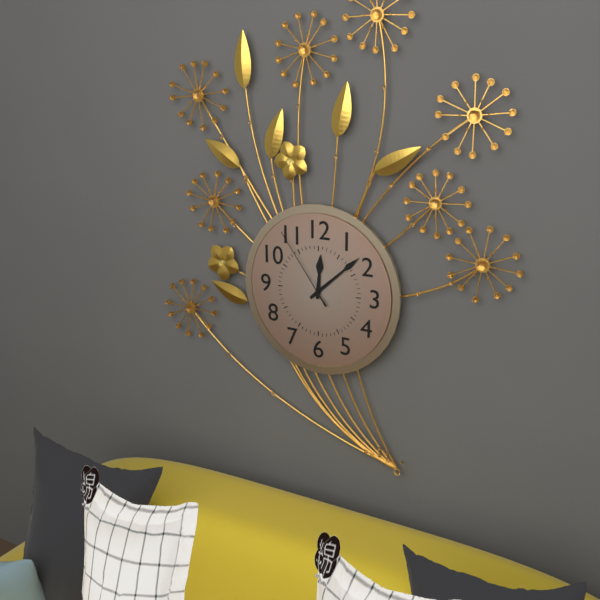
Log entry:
12 h 08 min 54 s
